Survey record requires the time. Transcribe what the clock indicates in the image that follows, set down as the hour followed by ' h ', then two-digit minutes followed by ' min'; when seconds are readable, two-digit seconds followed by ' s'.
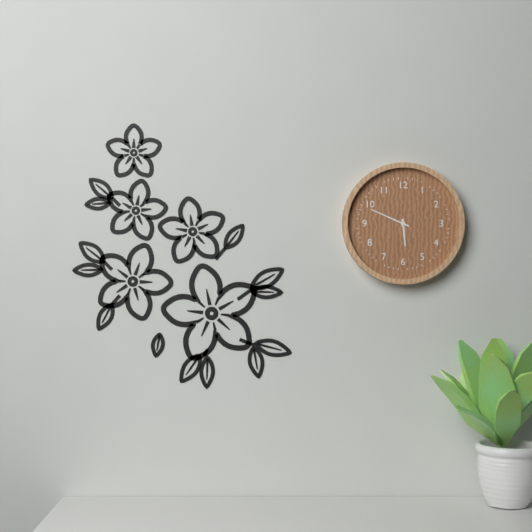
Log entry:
5 h 49 min
